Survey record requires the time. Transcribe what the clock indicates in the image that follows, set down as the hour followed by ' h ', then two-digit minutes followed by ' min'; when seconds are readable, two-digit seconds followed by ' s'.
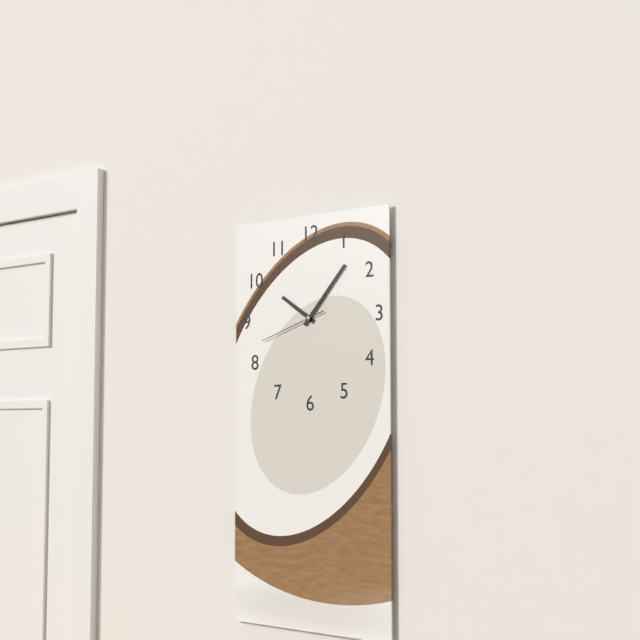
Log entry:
10 h 07 min 42 s
